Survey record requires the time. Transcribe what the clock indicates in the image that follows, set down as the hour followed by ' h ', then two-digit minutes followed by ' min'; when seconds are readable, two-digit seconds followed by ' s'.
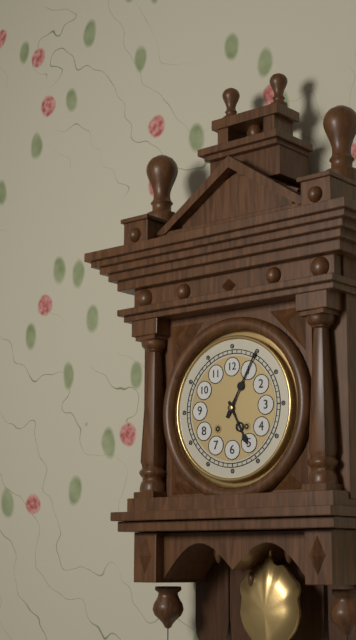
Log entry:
5 h 05 min
